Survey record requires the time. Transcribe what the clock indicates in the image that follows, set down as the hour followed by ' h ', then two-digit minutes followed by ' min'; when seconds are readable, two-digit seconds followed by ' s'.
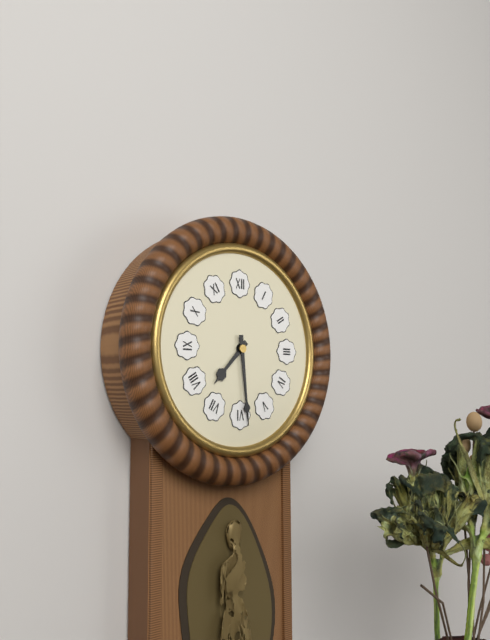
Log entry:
7 h 29 min
